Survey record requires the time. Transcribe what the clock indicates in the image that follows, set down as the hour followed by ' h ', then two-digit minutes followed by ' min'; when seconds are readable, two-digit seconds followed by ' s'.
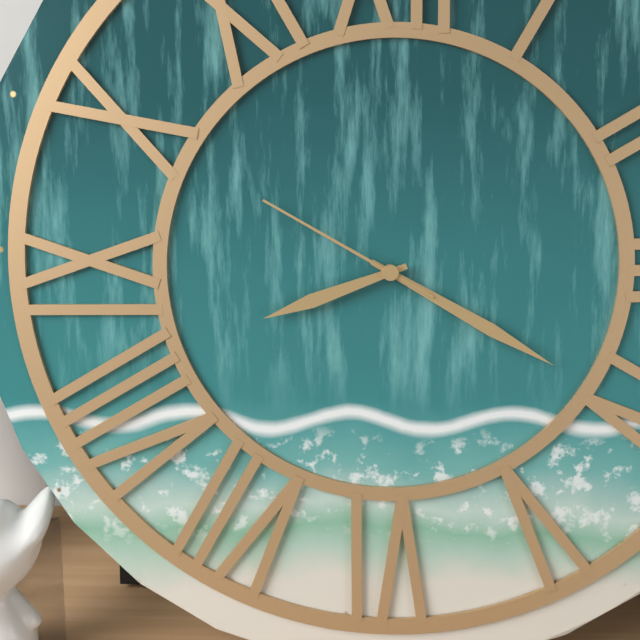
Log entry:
8 h 20 min 50 s
